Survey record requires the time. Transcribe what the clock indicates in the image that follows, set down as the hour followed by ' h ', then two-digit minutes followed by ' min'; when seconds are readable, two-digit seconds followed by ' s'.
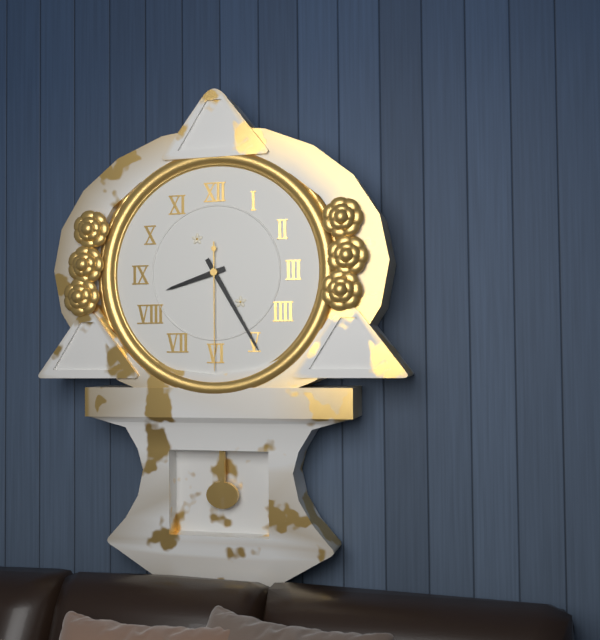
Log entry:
8 h 25 min 30 s
